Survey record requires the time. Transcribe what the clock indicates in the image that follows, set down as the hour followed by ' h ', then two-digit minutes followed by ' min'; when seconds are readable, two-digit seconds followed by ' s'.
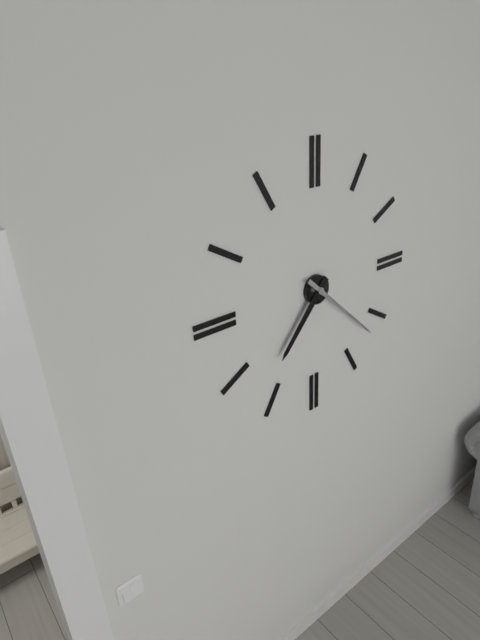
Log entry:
7 h 22 min
